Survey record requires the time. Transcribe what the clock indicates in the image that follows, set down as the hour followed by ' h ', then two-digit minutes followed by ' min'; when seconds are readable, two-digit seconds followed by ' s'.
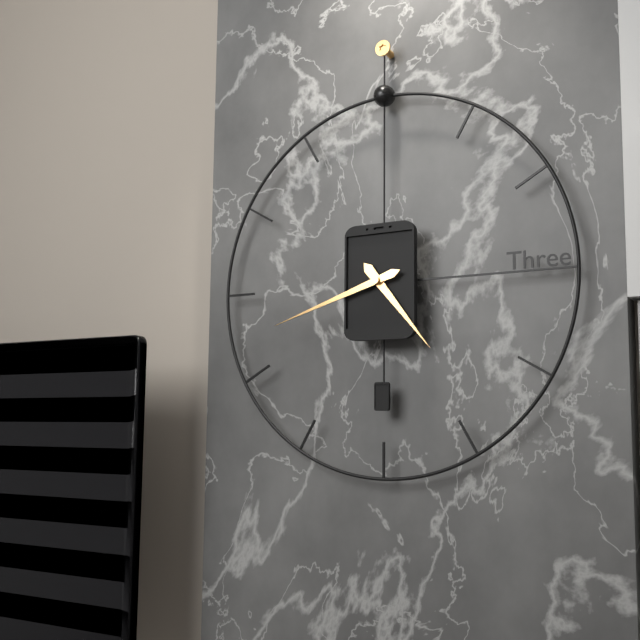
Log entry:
4 h 42 min
